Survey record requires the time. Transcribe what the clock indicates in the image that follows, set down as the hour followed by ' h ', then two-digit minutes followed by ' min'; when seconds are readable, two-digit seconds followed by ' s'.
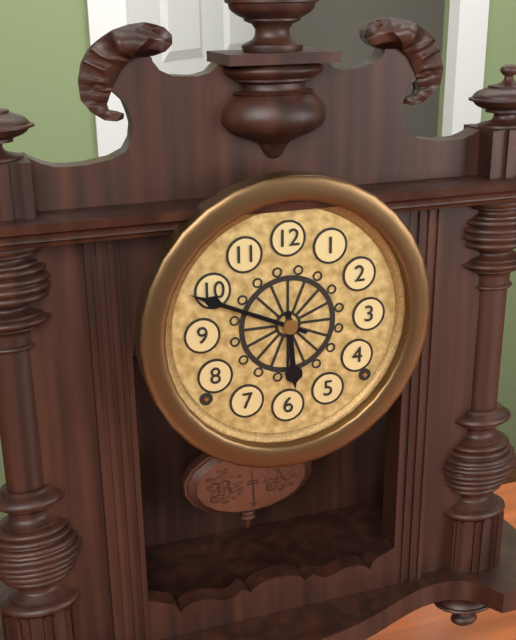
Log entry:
5 h 49 min
